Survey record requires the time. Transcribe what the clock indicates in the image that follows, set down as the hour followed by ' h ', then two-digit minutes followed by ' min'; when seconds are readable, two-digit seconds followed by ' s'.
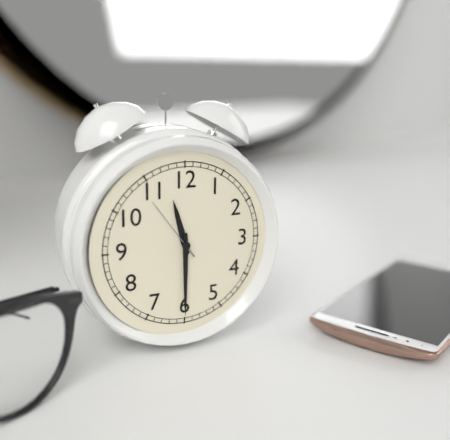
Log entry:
11 h 30 min 54 s
